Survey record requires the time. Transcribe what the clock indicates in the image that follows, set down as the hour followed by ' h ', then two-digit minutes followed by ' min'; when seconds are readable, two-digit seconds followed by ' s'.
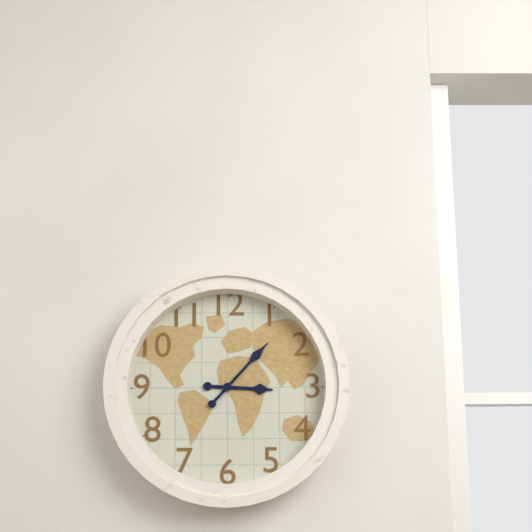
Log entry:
3 h 07 min
